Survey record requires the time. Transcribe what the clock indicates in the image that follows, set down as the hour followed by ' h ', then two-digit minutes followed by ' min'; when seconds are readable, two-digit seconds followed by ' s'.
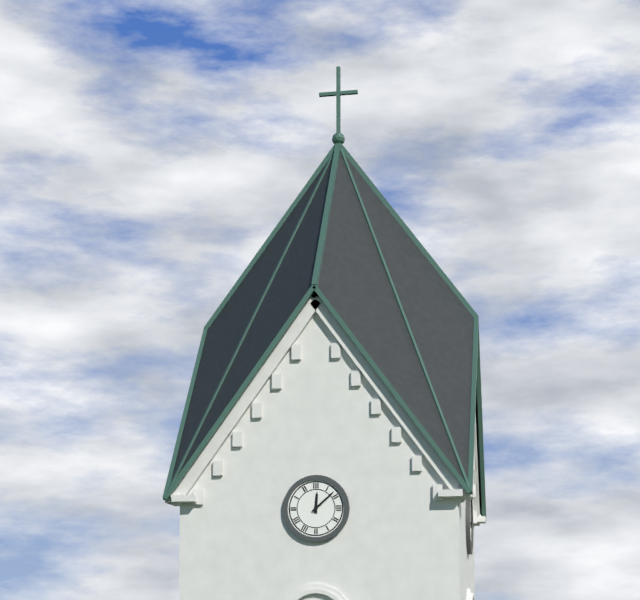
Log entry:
12 h 08 min
